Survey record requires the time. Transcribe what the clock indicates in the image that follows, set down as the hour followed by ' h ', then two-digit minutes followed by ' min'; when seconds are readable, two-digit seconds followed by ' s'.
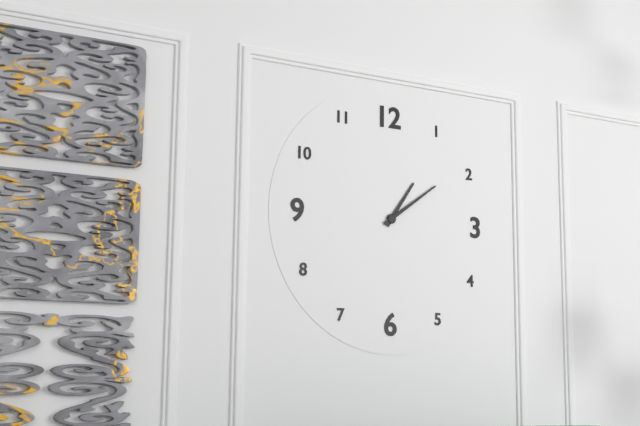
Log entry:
1 h 09 min
